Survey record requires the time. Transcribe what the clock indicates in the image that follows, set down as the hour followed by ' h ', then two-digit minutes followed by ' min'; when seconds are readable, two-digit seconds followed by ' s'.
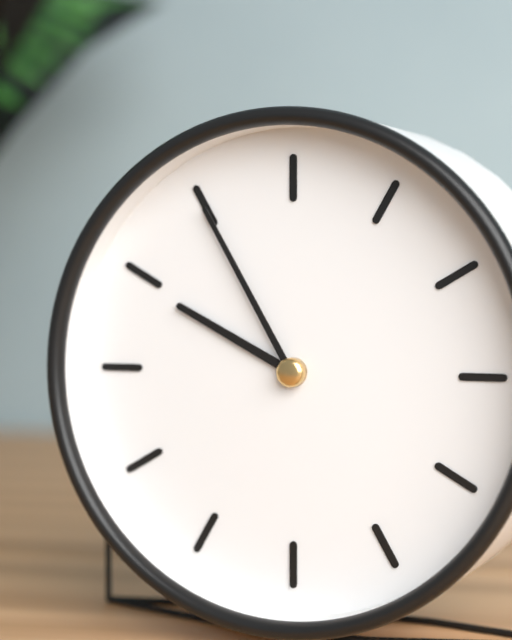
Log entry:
9 h 55 min
